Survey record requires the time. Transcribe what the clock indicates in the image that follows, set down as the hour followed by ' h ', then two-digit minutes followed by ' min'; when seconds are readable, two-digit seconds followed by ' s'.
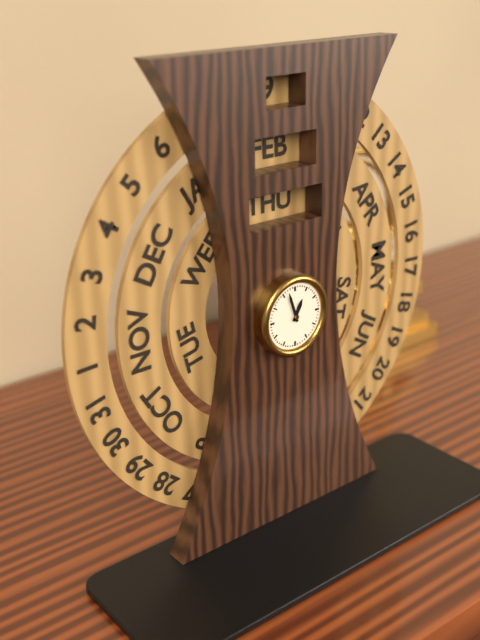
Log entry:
12 h 57 min
